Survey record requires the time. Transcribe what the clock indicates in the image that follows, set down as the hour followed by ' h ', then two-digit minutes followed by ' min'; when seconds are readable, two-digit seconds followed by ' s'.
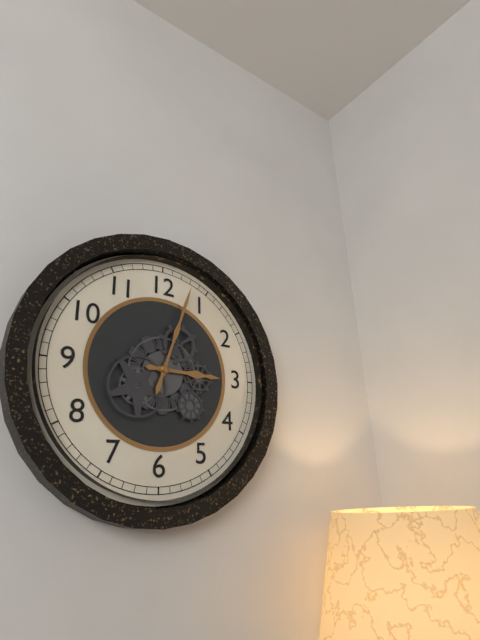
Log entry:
3 h 03 min
